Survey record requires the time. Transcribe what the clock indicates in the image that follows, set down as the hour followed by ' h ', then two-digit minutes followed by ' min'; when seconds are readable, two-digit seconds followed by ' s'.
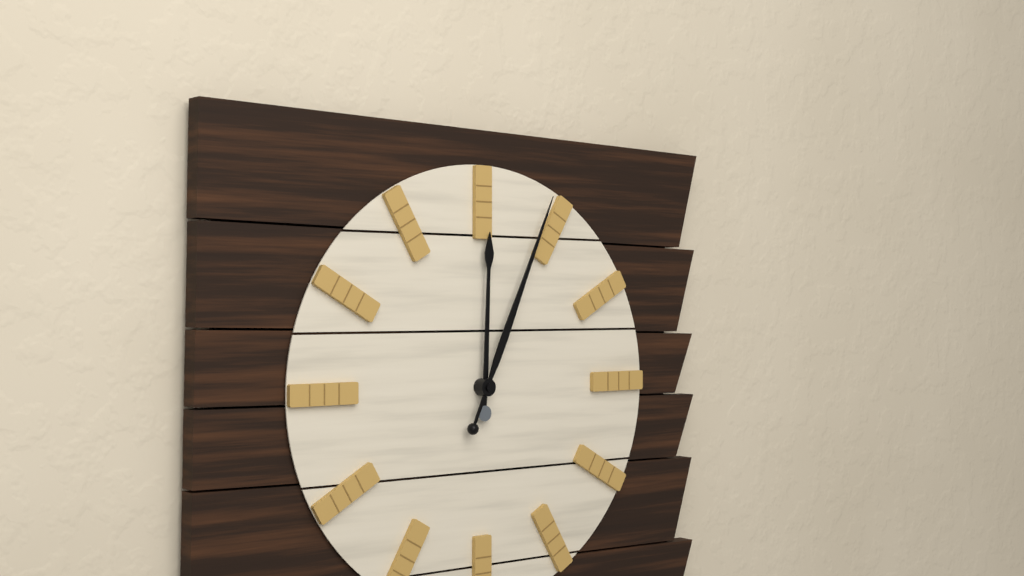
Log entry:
12 h 04 min
